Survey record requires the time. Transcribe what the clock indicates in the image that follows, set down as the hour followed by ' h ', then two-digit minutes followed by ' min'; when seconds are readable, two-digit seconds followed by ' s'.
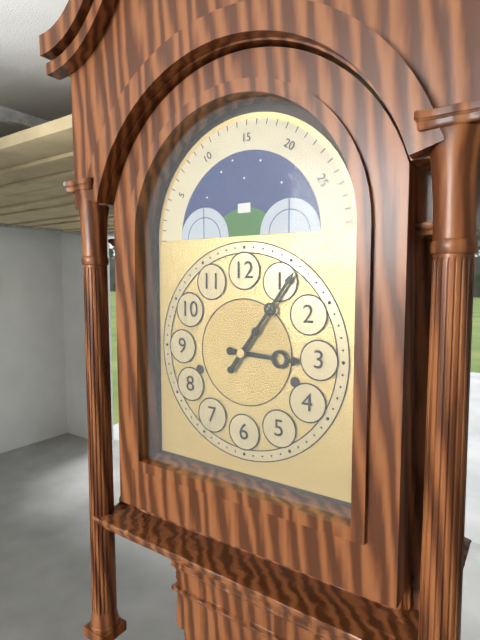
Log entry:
3 h 06 min
